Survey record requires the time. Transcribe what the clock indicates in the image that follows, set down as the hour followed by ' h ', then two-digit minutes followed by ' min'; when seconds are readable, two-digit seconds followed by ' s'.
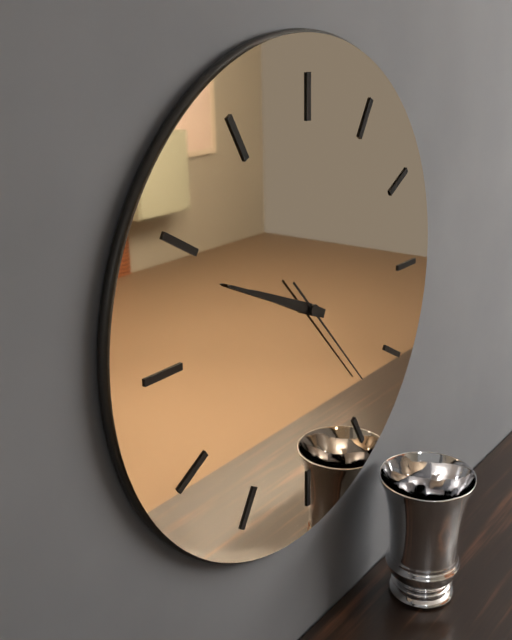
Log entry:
9 h 49 min 23 s
